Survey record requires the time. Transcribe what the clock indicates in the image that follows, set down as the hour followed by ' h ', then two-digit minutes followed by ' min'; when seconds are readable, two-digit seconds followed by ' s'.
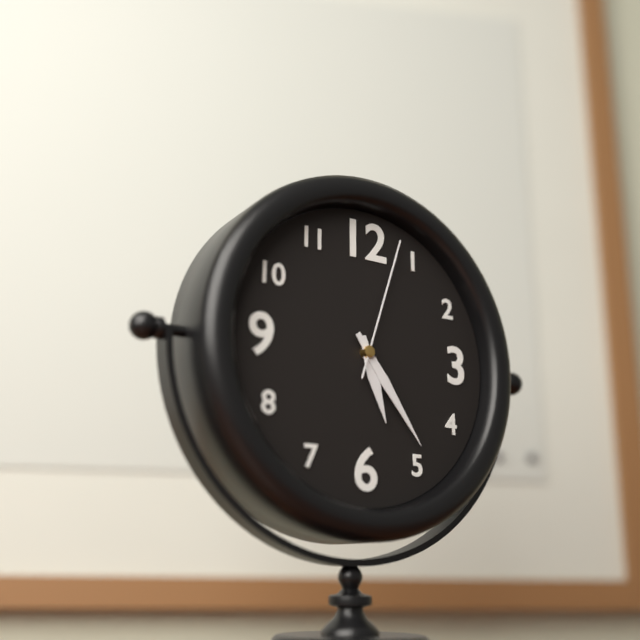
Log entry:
5 h 24 min 03 s
